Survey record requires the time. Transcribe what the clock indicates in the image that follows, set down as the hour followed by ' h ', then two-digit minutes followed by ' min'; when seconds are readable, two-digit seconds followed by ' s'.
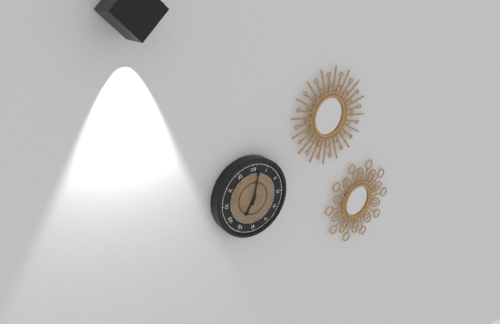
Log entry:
7 h 02 min
